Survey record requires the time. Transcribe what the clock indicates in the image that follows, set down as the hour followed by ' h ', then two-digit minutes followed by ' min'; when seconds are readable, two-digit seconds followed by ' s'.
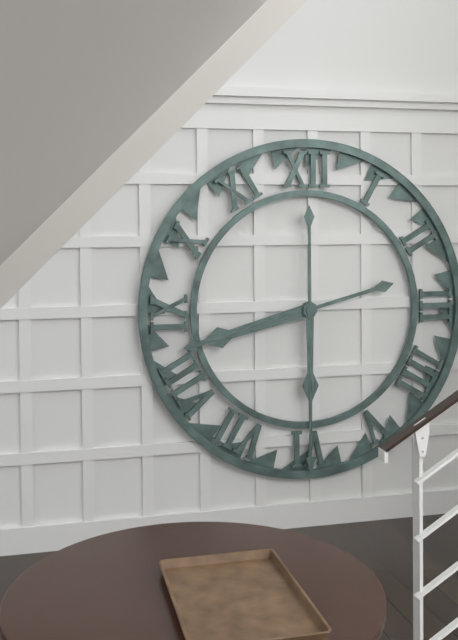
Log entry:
8 h 30 min
